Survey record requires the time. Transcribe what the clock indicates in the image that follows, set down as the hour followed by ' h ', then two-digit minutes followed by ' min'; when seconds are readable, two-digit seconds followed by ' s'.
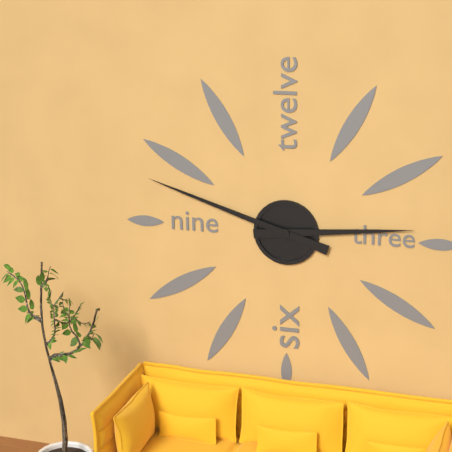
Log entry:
2 h 48 min
